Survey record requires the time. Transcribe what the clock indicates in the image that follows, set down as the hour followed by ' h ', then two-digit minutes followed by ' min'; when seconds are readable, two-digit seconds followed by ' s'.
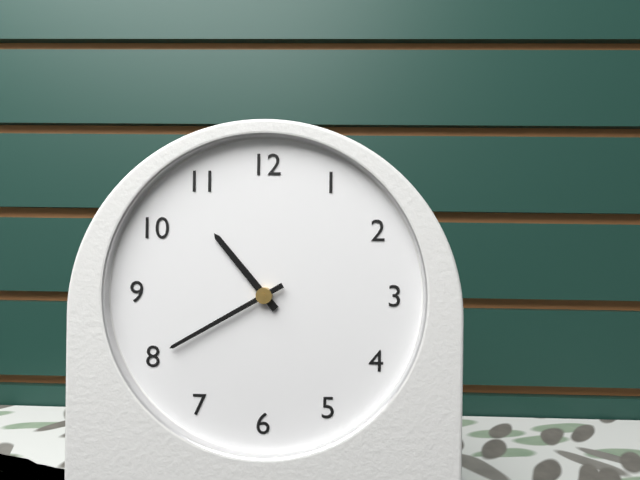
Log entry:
10 h 40 min
